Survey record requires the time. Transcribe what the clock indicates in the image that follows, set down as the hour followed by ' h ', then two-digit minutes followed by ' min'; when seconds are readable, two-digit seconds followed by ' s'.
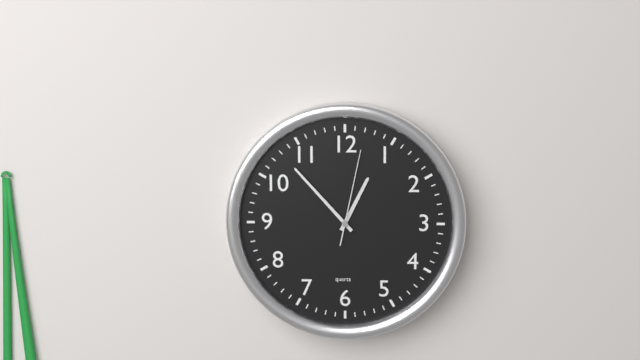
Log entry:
12 h 53 min 02 s
